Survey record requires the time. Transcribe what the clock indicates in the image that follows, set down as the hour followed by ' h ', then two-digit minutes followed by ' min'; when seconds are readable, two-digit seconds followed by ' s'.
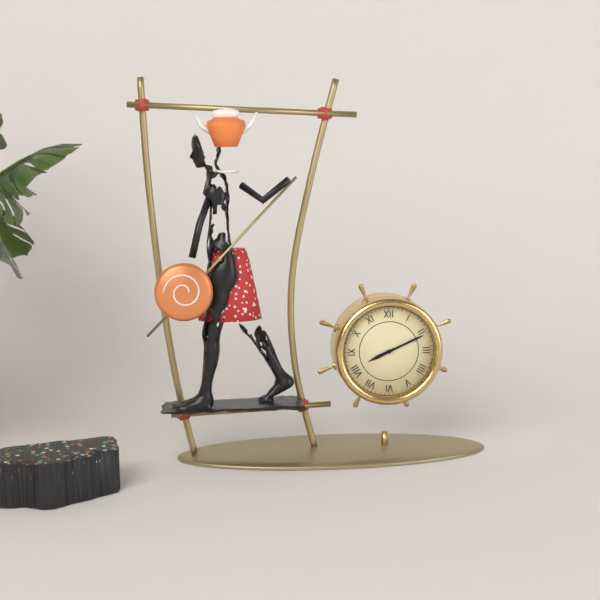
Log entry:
8 h 11 min
